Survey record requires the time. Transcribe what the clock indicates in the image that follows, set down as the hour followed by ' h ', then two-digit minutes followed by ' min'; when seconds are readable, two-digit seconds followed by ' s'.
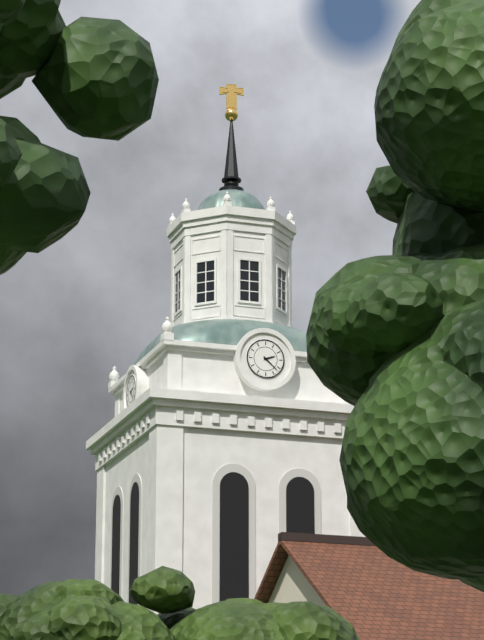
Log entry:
2 h 22 min
